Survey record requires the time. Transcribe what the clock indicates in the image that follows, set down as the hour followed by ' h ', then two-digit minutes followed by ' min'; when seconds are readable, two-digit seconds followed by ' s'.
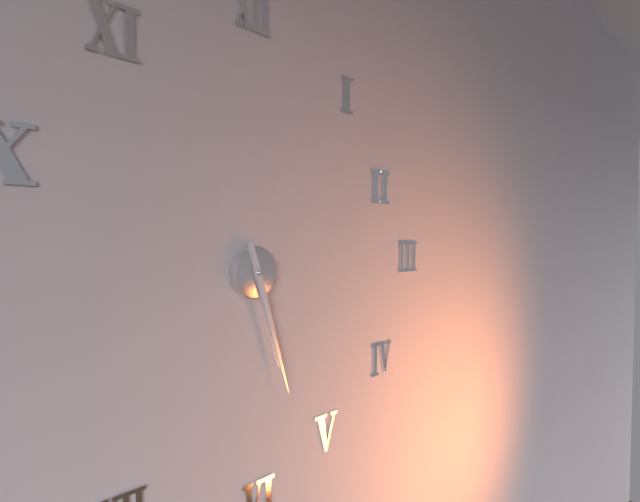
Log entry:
5 h 27 min
